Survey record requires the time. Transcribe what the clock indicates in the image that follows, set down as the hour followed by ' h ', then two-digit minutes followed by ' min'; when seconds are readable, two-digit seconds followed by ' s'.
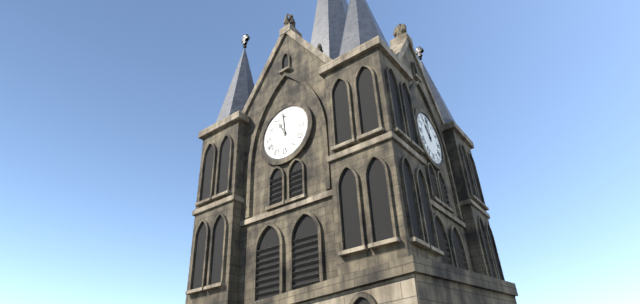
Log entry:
10 h 59 min
